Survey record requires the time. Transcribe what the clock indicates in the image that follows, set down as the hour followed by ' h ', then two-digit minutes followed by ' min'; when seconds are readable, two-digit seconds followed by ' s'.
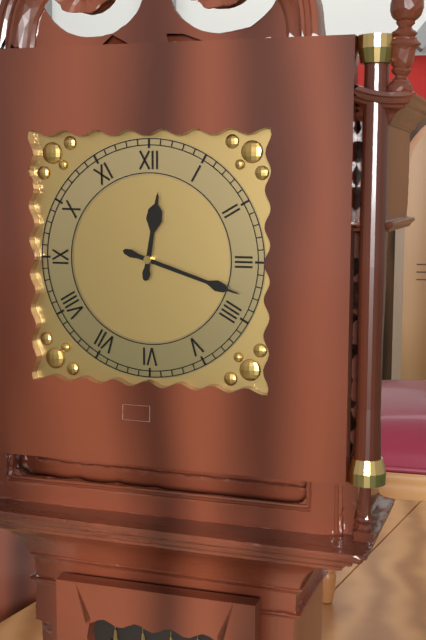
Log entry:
12 h 18 min
